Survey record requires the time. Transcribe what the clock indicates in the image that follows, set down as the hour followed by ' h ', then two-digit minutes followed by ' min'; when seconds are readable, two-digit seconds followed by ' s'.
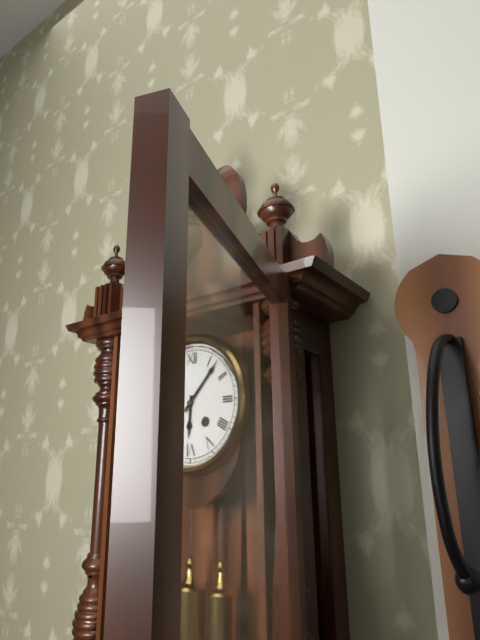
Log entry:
6 h 07 min
